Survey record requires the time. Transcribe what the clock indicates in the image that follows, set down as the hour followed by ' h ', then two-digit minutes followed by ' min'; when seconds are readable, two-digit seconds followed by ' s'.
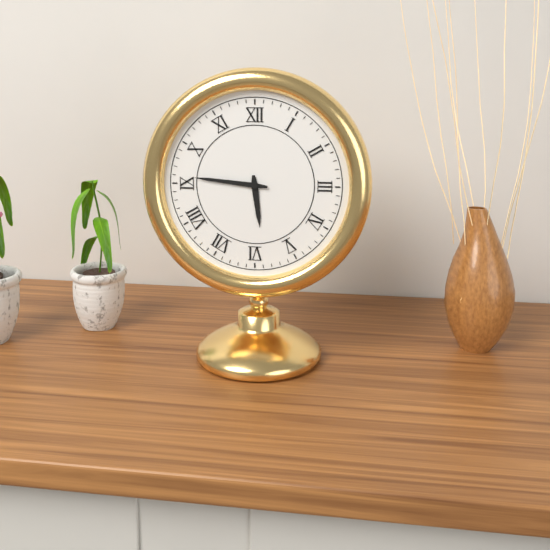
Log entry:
5 h 46 min
